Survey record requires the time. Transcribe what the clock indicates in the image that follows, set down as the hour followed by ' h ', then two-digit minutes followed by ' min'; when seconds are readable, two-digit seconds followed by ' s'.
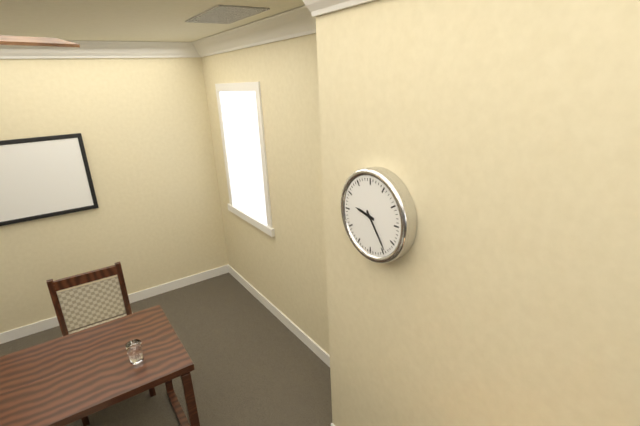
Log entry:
9 h 24 min
